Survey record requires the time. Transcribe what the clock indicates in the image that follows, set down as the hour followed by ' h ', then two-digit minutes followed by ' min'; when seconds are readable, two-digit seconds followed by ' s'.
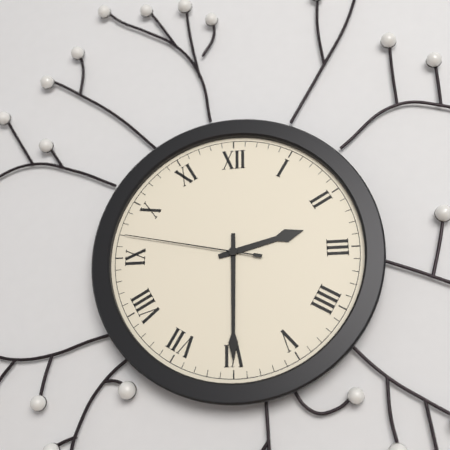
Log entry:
2 h 30 min 47 s
